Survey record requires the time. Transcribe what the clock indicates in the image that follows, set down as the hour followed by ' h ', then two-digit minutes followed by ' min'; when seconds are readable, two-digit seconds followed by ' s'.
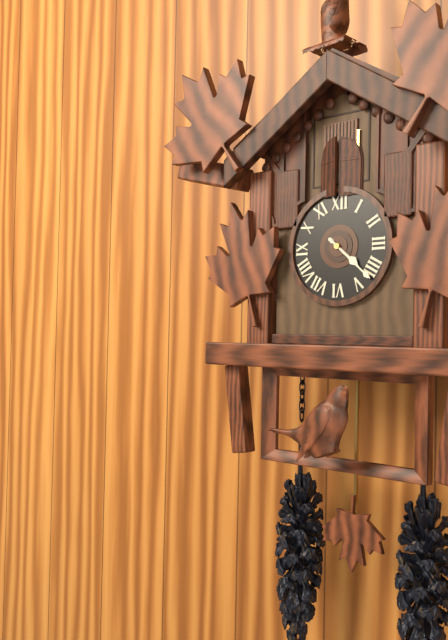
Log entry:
4 h 22 min
